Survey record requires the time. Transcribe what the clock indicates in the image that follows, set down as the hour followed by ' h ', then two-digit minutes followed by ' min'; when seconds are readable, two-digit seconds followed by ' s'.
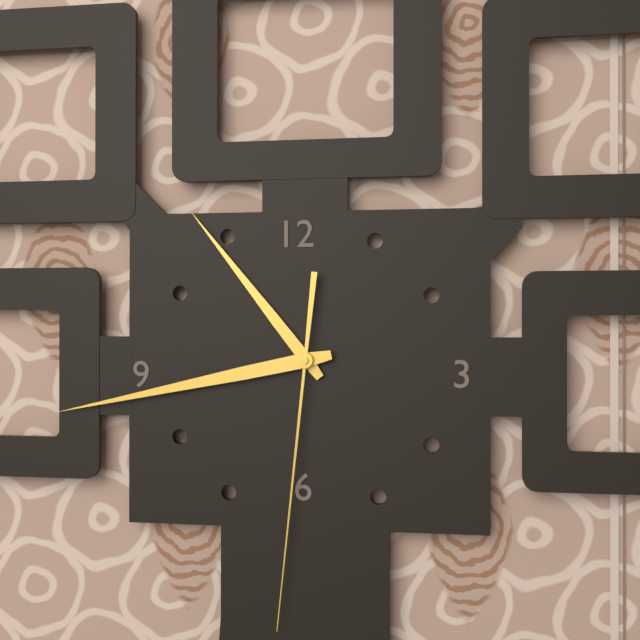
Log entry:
10 h 43 min 31 s
